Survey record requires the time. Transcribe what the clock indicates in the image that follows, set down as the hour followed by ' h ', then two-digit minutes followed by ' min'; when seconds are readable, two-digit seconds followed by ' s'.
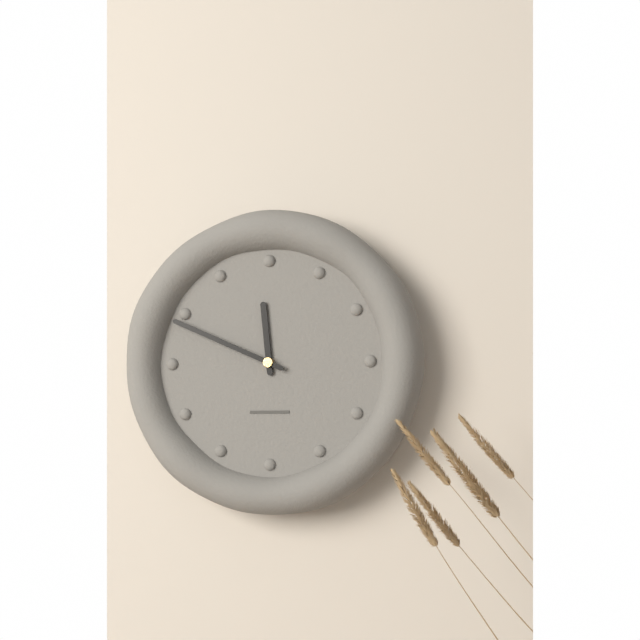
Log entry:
11 h 49 min
